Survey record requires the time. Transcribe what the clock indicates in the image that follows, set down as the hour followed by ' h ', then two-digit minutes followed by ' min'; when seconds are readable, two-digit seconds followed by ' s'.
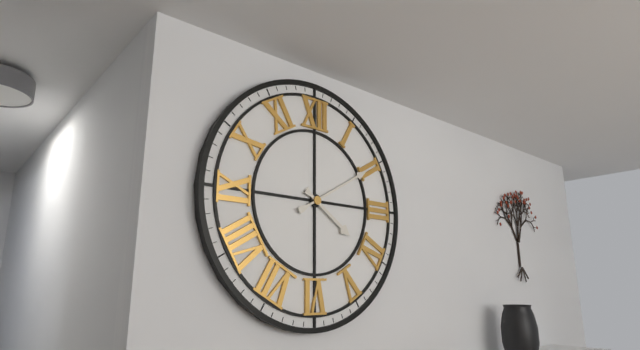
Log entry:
4 h 10 min
